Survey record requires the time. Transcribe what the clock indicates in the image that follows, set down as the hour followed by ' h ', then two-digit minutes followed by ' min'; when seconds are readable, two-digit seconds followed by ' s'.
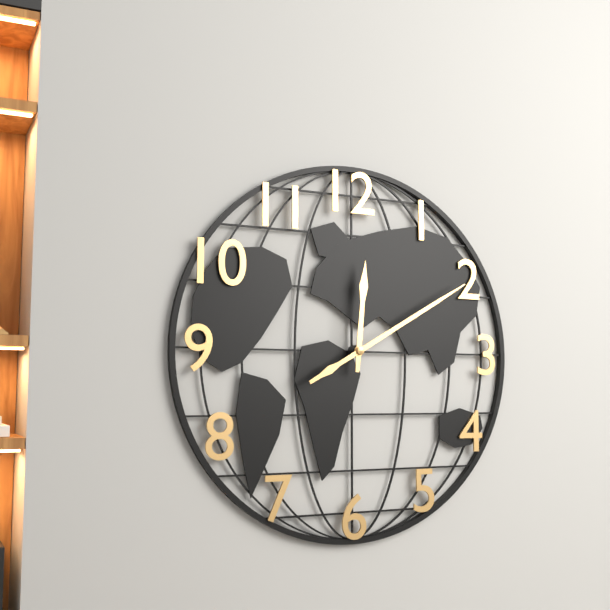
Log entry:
12 h 10 min
